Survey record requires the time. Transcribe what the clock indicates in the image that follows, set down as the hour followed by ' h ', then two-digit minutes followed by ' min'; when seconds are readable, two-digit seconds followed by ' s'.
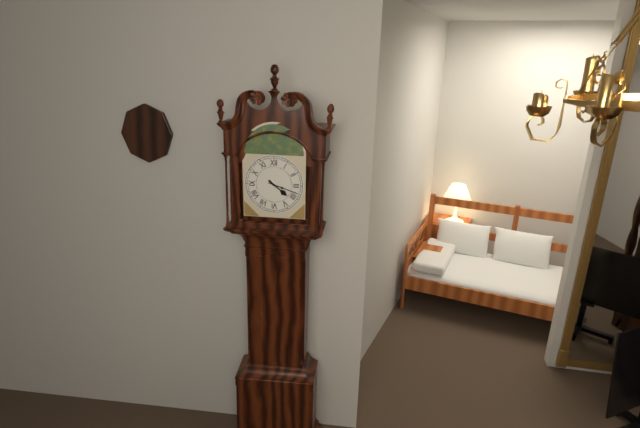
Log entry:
4 h 18 min
